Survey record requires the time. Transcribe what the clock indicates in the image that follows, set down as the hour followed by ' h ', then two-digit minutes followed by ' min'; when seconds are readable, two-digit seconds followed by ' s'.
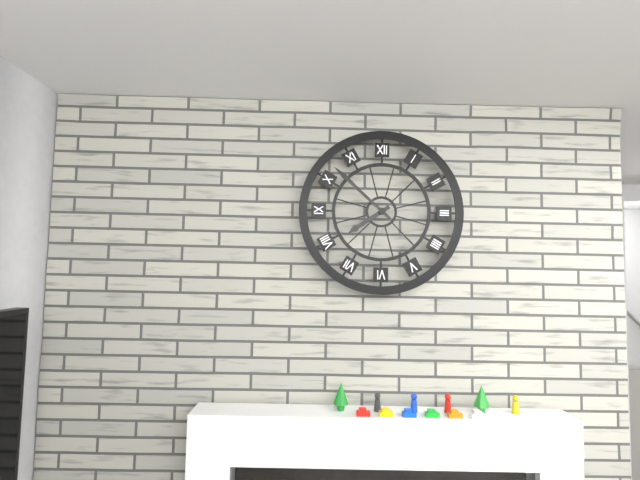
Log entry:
7 h 52 min
